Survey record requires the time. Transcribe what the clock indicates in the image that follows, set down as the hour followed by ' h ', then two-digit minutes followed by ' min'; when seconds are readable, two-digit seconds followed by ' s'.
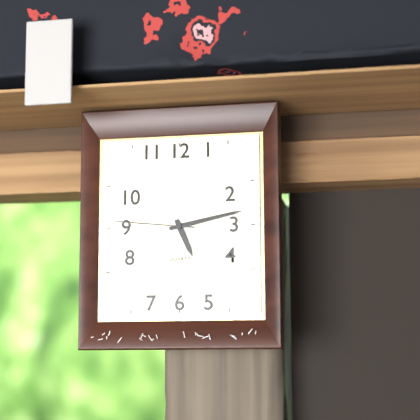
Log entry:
5 h 13 min 46 s
